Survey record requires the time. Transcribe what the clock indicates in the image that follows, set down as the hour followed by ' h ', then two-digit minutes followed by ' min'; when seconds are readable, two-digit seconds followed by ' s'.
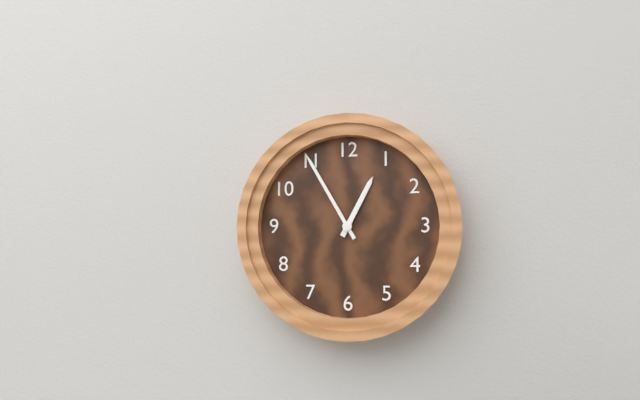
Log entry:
12 h 55 min
